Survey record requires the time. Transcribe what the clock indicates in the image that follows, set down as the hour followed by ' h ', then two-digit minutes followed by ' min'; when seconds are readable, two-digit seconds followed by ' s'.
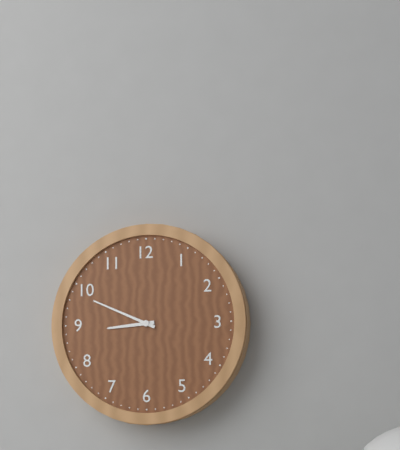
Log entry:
8 h 49 min
